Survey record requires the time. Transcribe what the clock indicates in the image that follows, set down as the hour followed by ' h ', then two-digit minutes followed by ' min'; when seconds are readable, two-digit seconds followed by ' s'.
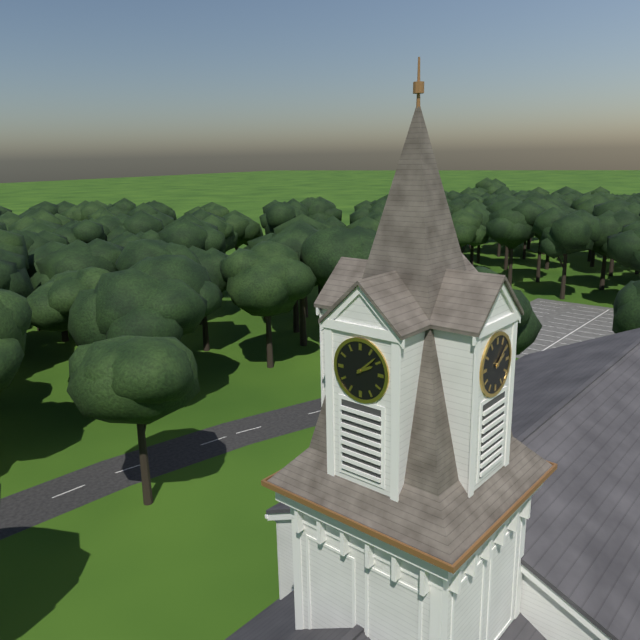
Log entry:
2 h 08 min
